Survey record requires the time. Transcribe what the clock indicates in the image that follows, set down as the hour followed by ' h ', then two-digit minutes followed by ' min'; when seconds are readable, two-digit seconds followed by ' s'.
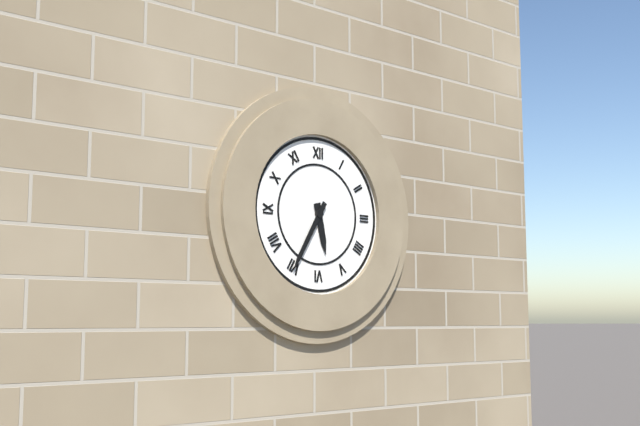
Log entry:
5 h 35 min
